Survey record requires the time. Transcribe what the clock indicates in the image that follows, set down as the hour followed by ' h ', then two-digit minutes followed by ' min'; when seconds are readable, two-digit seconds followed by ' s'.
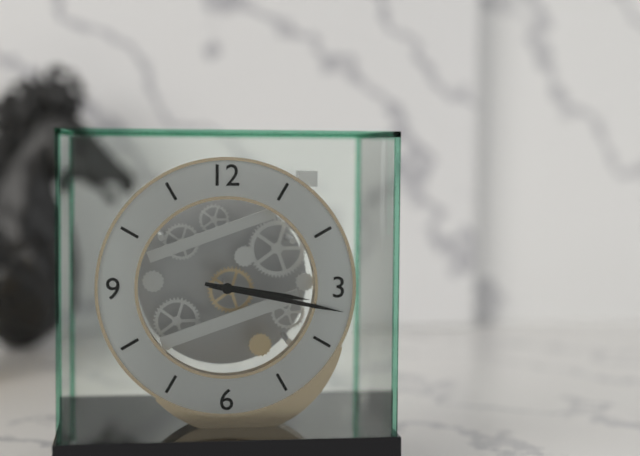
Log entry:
3 h 17 min
